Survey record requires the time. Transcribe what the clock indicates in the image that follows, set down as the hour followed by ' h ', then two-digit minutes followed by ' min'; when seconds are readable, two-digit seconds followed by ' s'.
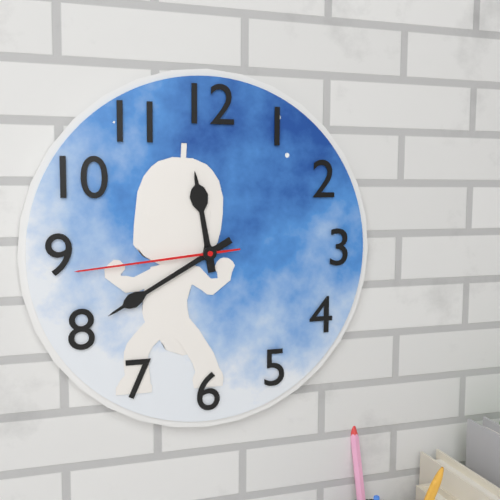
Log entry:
11 h 40 min 44 s
